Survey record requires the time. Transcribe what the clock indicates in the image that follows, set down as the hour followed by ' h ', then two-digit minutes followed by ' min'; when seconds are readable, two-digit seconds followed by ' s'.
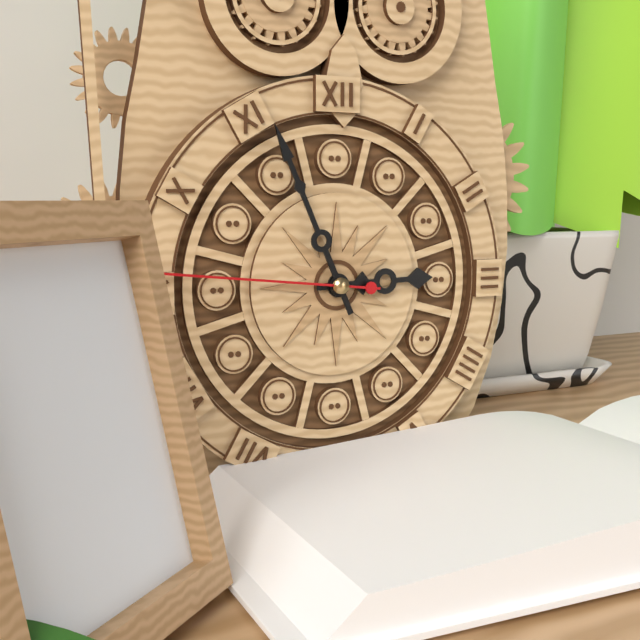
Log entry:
2 h 56 min 46 s
